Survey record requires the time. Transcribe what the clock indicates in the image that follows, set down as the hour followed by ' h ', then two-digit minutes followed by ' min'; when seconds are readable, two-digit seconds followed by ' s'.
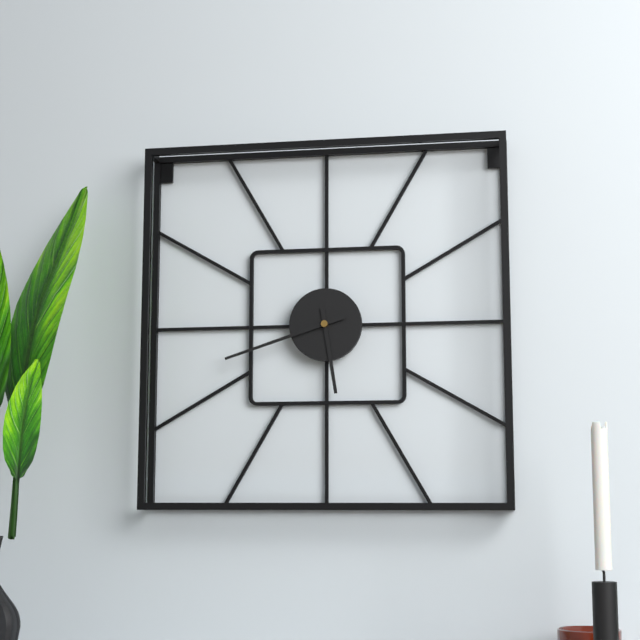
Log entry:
5 h 42 min
